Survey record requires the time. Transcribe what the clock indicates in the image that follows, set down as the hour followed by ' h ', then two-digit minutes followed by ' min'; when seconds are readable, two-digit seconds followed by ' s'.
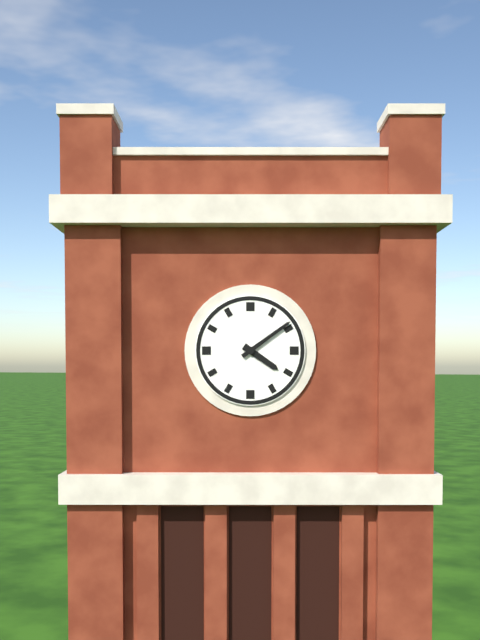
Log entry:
4 h 09 min
